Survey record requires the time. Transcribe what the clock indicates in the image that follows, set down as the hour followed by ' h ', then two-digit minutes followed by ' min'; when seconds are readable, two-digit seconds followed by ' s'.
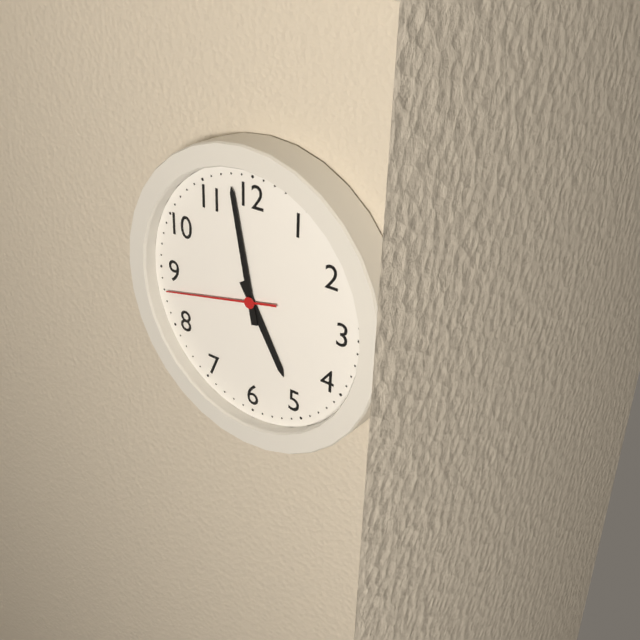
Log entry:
4 h 58 min 43 s
